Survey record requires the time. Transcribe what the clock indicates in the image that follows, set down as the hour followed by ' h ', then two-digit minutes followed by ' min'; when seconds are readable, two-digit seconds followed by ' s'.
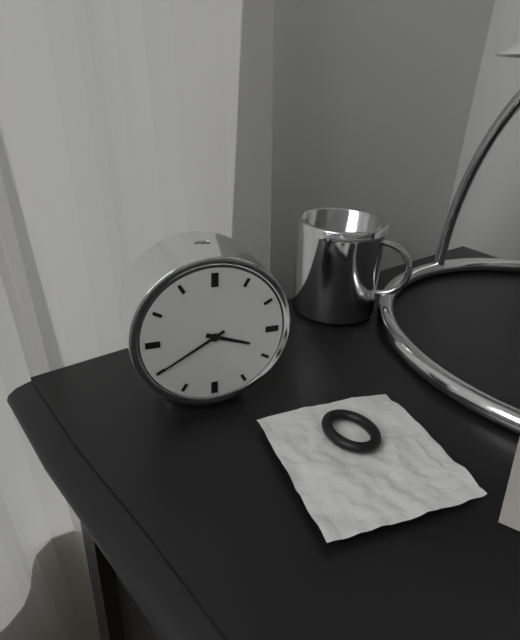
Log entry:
3 h 40 min
